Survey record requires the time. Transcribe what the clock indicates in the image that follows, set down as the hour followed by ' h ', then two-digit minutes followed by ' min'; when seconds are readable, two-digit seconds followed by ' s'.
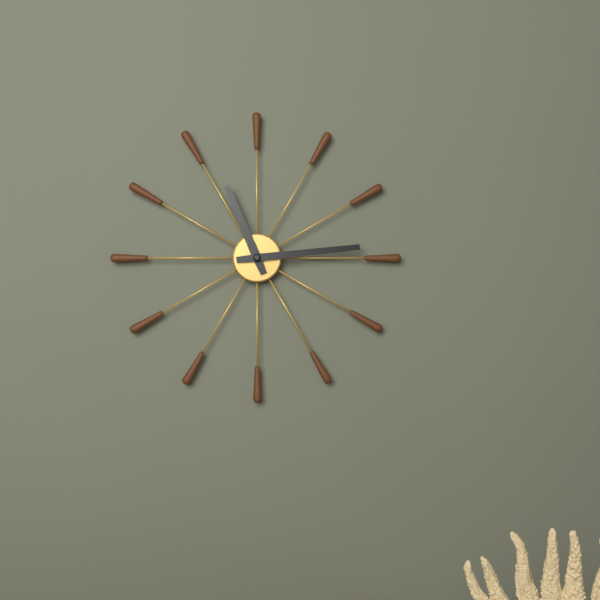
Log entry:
11 h 14 min
